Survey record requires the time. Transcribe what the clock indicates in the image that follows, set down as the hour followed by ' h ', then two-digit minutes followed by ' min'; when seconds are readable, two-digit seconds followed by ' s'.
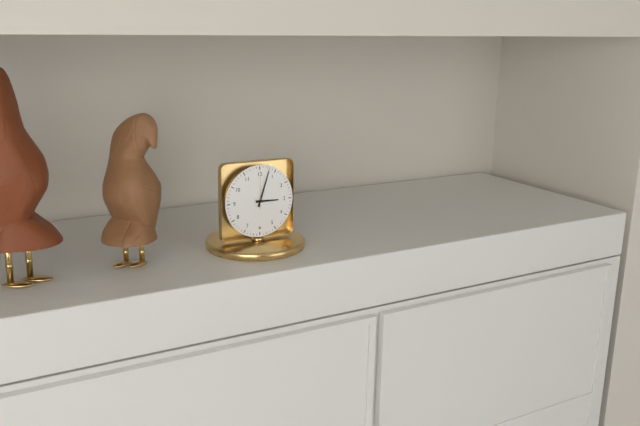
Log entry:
3 h 03 min
